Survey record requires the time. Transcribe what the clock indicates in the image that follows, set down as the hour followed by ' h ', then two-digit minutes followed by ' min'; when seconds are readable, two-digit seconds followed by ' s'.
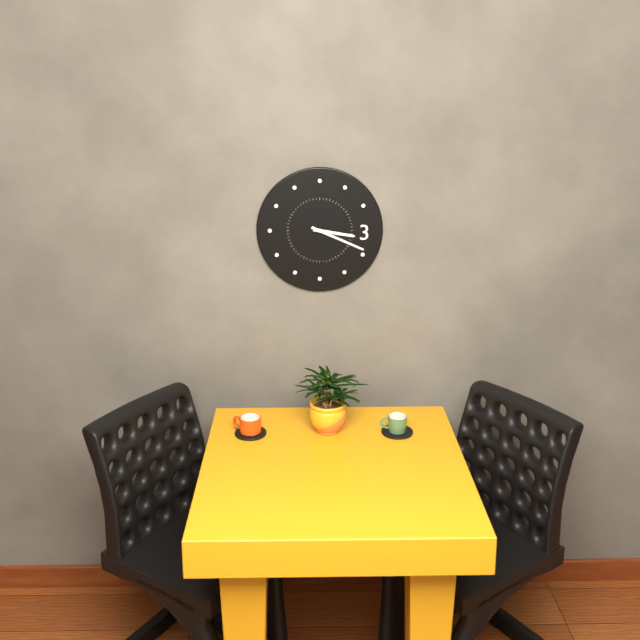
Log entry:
3 h 19 min
